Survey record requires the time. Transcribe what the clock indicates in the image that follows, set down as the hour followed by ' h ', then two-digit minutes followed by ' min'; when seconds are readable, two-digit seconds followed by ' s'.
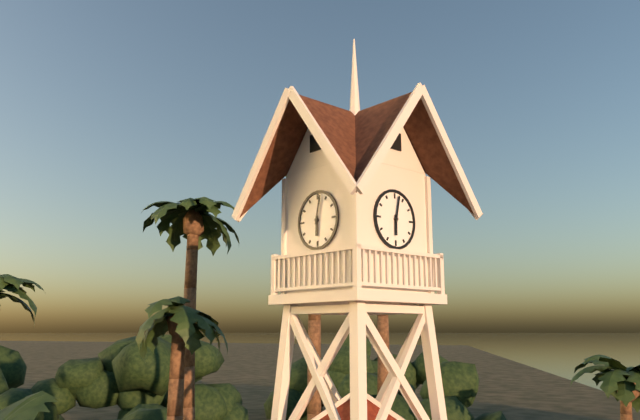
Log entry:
6 h 02 min
